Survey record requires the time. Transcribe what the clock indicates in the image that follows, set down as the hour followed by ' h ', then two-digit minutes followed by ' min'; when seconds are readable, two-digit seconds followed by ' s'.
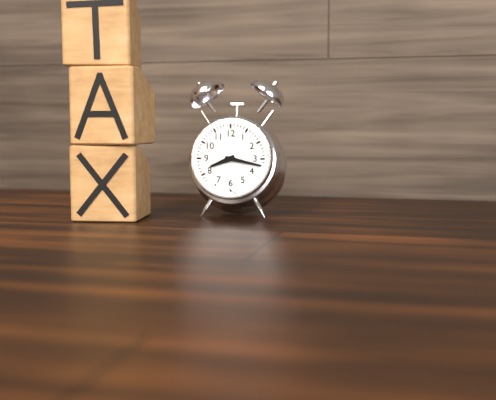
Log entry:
8 h 17 min
